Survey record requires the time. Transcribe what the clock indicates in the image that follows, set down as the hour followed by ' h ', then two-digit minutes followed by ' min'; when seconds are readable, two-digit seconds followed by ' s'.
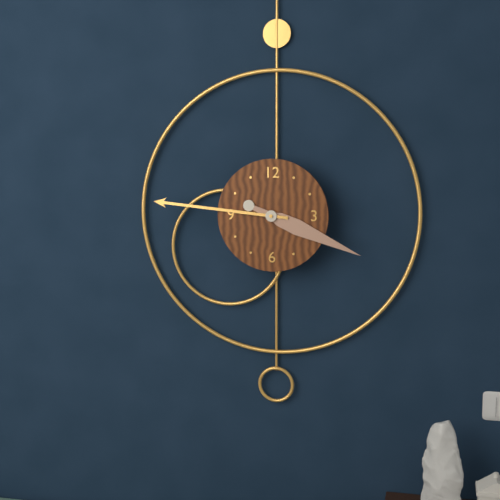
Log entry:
3 h 46 min
